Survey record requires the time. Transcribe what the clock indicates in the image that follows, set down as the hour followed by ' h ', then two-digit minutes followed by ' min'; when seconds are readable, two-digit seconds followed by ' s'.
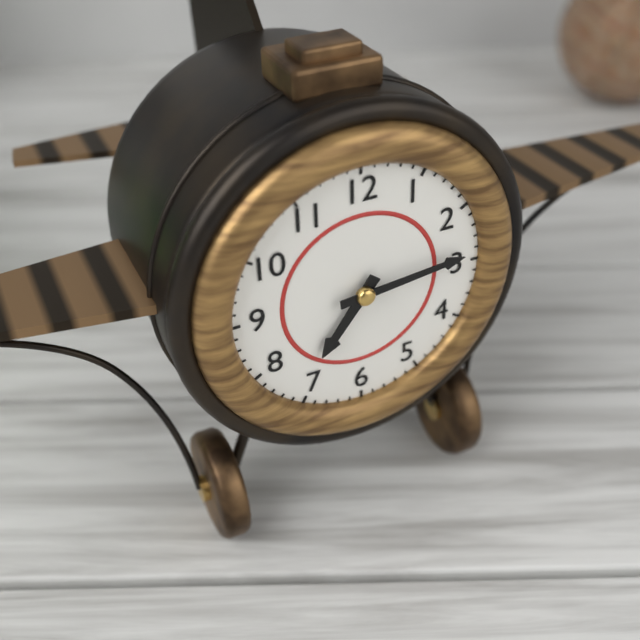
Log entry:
7 h 14 min
